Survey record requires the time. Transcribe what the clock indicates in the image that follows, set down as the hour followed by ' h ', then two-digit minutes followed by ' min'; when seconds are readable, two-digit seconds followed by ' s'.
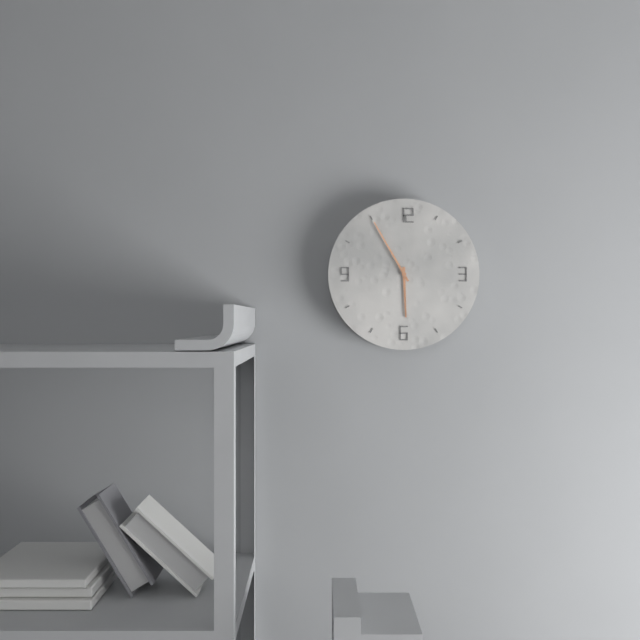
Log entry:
5 h 55 min
